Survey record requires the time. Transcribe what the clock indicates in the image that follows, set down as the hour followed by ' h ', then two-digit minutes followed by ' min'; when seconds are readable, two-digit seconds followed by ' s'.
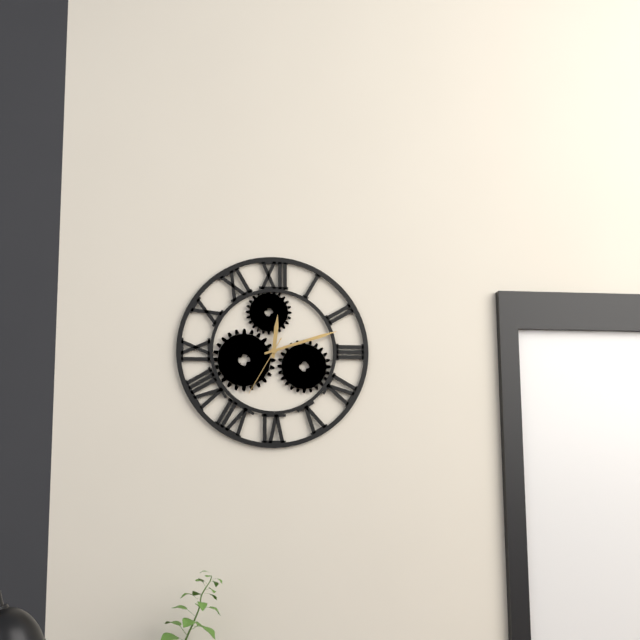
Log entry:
12 h 12 min 35 s
